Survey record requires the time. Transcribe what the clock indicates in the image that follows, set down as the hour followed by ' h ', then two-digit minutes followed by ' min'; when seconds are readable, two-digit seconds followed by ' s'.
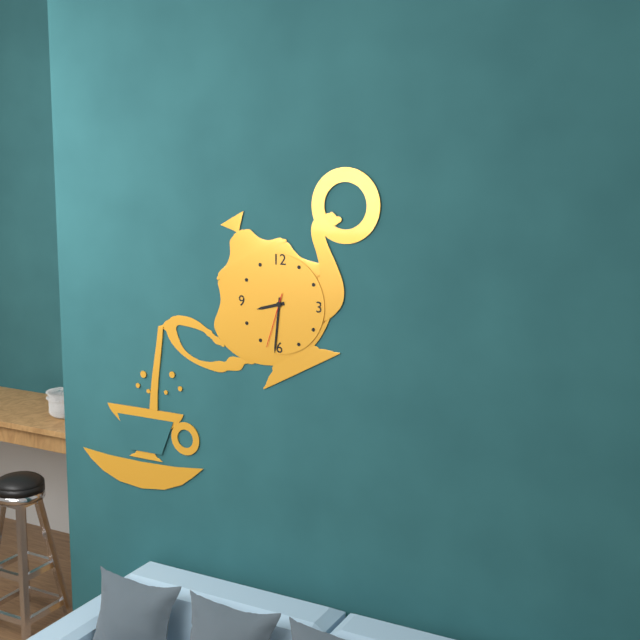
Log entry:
8 h 31 min 33 s
